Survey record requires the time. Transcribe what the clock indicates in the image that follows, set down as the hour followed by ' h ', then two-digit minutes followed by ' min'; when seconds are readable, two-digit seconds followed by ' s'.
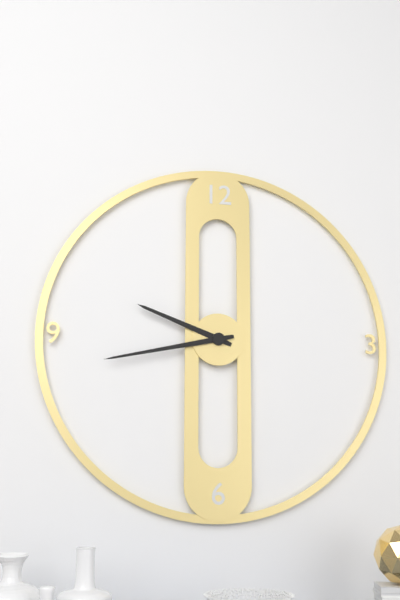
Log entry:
9 h 43 min
